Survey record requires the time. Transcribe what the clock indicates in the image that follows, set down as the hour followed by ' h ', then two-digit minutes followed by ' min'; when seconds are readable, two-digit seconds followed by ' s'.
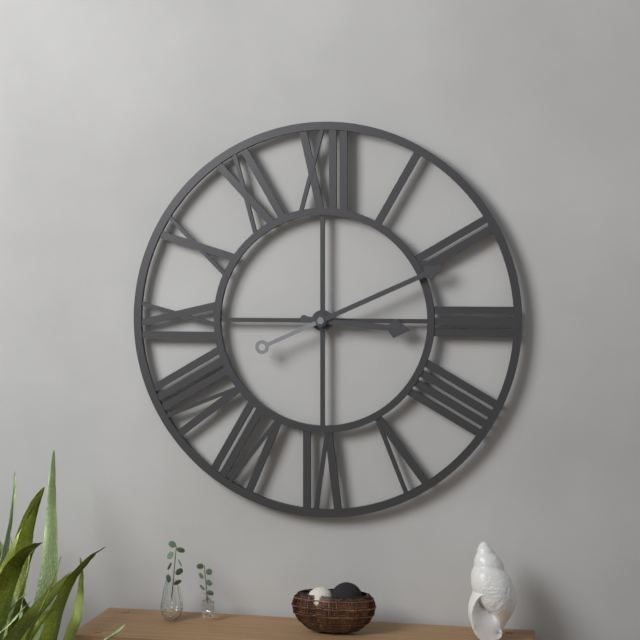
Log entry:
3 h 11 min
